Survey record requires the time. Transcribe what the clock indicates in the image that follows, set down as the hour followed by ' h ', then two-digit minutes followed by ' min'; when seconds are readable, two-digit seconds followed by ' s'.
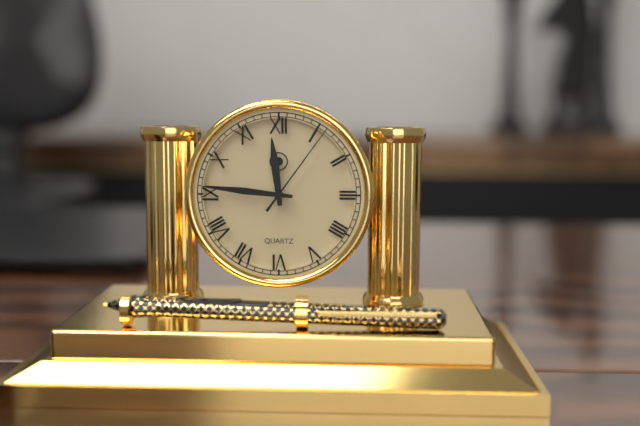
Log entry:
11 h 46 min 06 s
